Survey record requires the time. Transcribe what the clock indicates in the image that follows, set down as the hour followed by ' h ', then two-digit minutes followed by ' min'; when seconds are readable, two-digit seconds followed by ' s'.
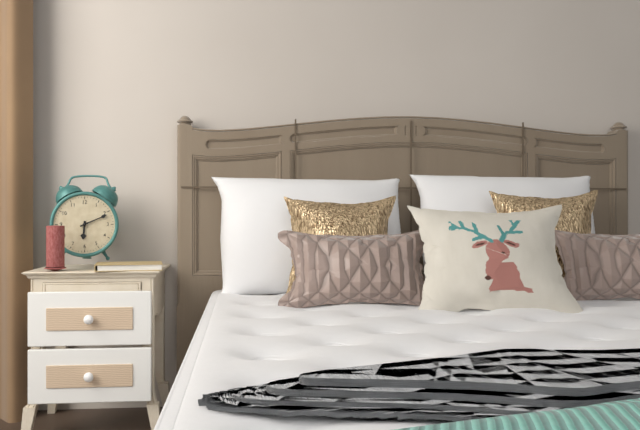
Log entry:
6 h 11 min
